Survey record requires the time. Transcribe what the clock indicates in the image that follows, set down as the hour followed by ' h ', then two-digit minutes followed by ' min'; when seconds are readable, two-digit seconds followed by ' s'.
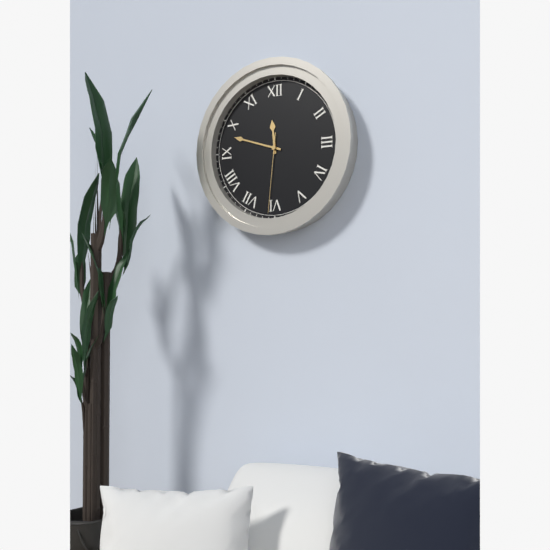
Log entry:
11 h 48 min 31 s
